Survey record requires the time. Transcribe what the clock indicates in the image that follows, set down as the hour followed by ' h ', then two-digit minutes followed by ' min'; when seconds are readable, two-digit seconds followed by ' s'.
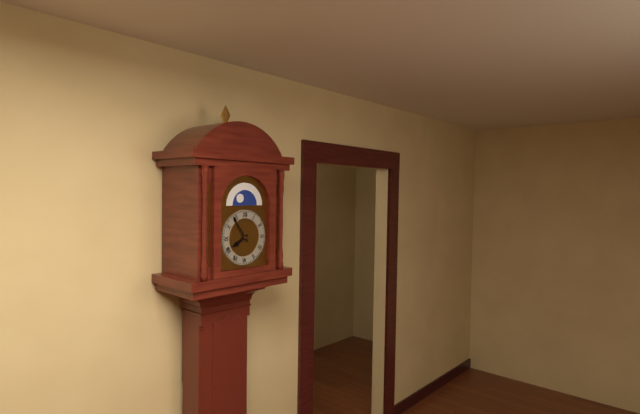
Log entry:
7 h 54 min
